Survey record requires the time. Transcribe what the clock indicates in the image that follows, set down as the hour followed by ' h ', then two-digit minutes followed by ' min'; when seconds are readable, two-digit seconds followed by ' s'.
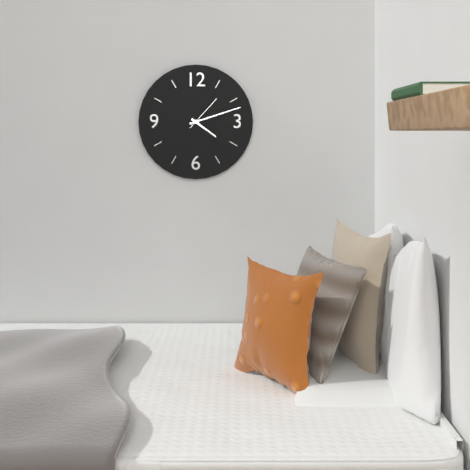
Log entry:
4 h 12 min
